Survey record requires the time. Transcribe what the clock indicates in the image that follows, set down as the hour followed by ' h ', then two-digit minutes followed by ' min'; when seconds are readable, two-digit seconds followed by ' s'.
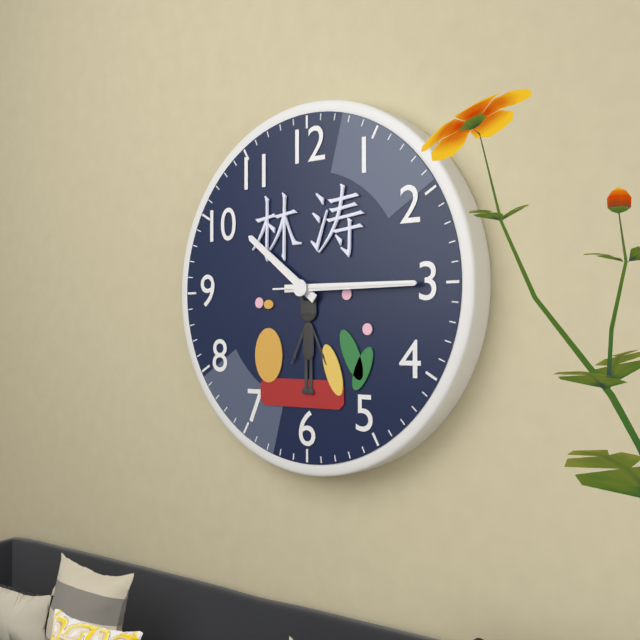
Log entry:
10 h 15 min 15 s
